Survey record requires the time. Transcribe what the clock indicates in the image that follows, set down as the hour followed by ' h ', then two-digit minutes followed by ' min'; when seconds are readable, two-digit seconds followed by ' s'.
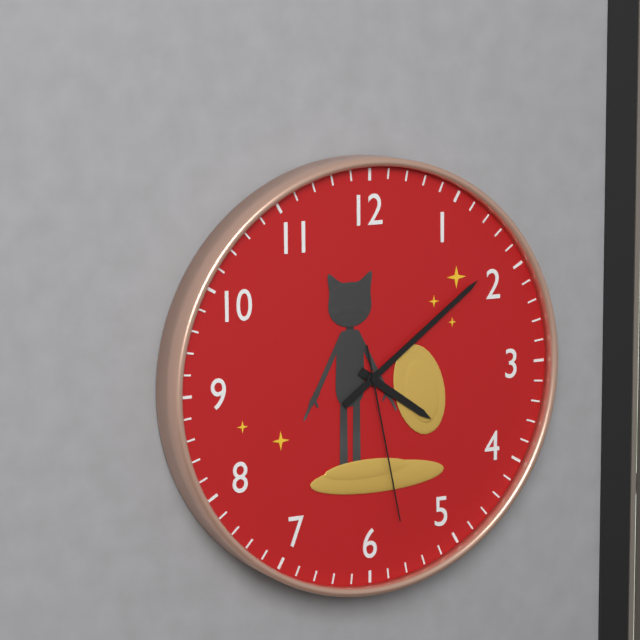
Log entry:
4 h 09 min 28 s
